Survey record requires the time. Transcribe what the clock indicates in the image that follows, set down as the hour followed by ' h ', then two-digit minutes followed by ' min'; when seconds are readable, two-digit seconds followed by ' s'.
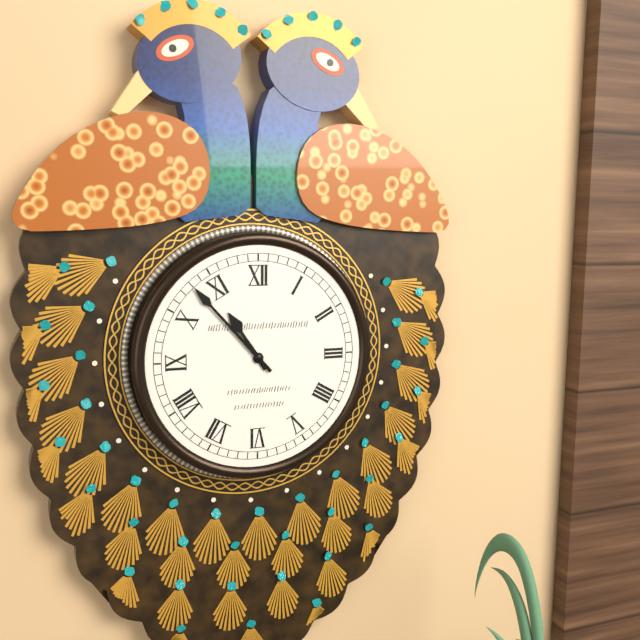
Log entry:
10 h 53 min
